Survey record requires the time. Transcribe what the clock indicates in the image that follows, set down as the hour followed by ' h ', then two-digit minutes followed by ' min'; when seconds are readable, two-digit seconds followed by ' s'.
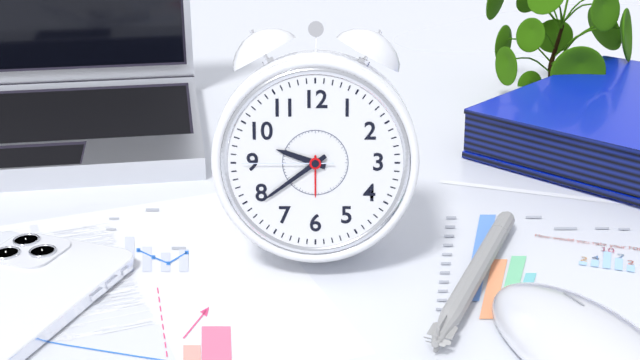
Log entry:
9 h 39 min 45 s
